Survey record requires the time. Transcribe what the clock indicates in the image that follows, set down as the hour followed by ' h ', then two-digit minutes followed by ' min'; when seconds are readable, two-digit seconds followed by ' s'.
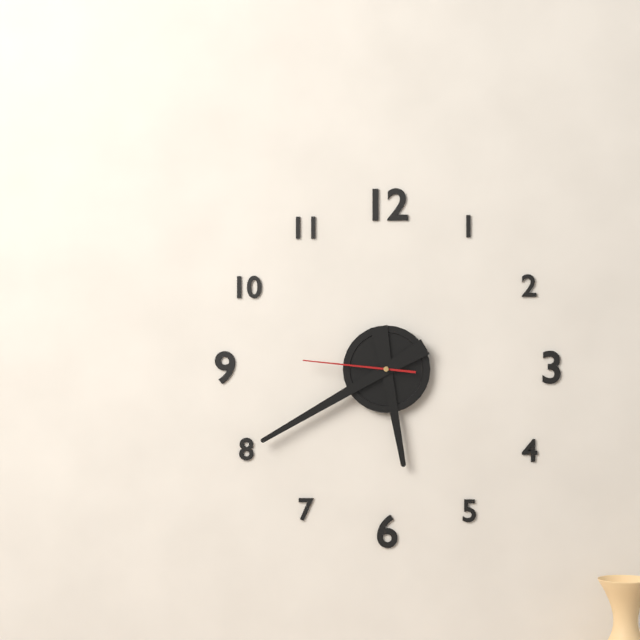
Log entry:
5 h 40 min 46 s
